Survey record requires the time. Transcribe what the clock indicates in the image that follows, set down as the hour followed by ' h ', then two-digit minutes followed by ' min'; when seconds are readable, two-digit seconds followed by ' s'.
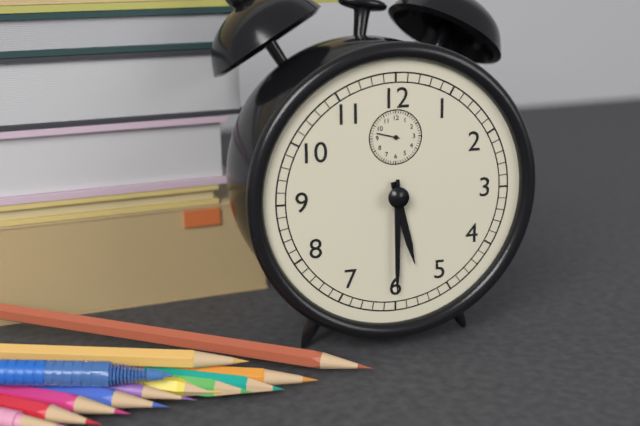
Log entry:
5 h 30 min
